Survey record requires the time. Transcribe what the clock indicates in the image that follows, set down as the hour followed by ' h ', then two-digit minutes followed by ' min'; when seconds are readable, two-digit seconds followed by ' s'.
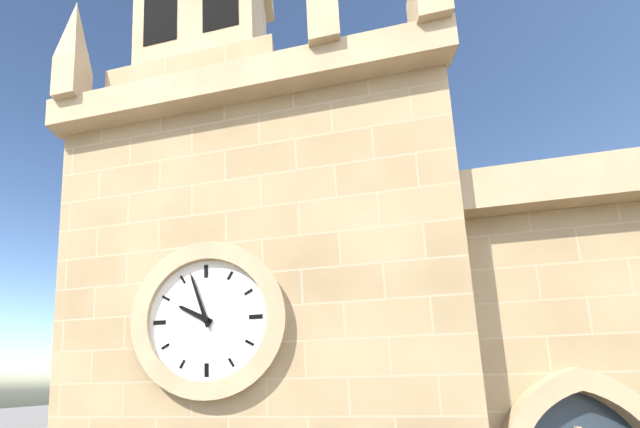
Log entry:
9 h 57 min
